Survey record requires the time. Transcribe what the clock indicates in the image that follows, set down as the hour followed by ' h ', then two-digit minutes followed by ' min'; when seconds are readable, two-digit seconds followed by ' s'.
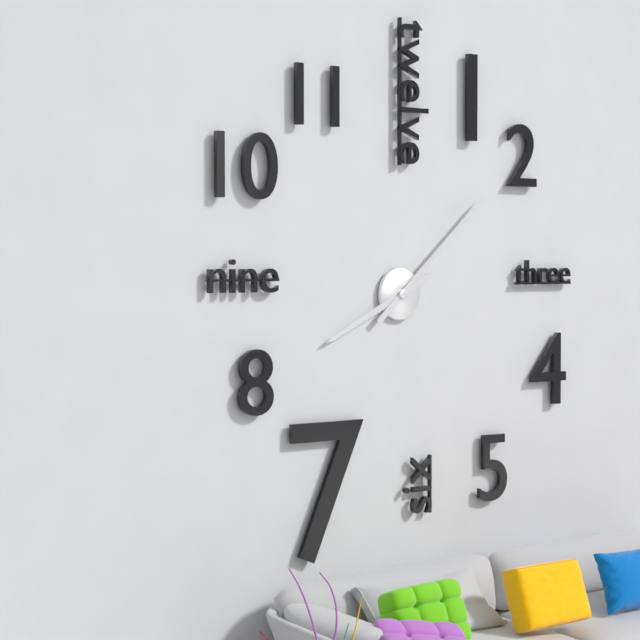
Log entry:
8 h 08 min
